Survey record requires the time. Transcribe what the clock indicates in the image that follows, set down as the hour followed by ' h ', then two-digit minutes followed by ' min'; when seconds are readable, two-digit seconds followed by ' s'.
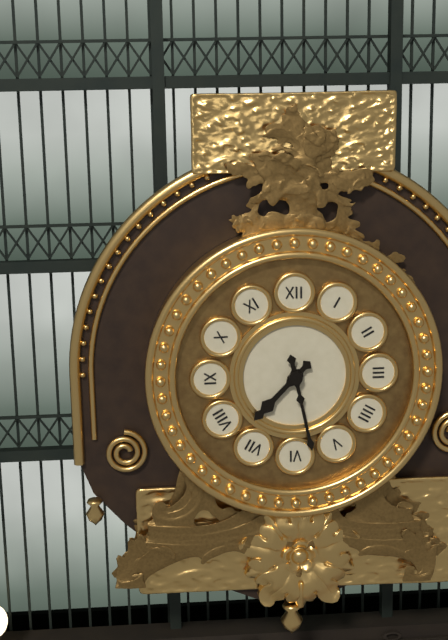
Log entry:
7 h 28 min
